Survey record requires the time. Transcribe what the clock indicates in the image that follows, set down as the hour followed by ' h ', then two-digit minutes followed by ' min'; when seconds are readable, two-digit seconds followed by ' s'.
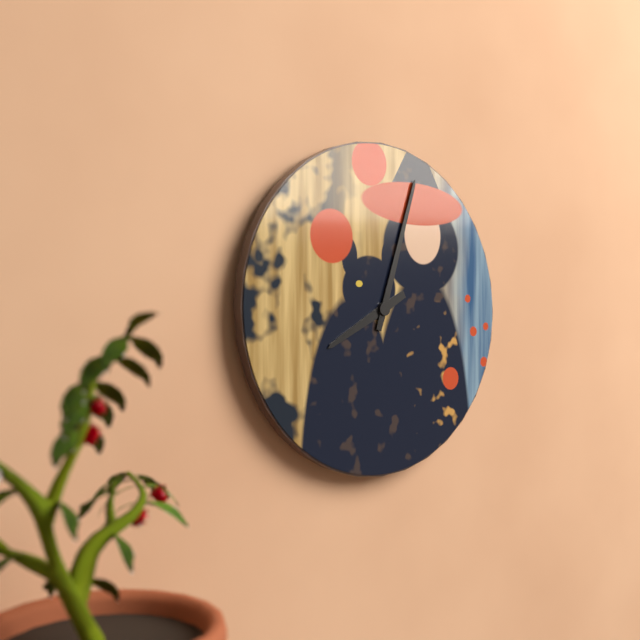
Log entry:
8 h 03 min
